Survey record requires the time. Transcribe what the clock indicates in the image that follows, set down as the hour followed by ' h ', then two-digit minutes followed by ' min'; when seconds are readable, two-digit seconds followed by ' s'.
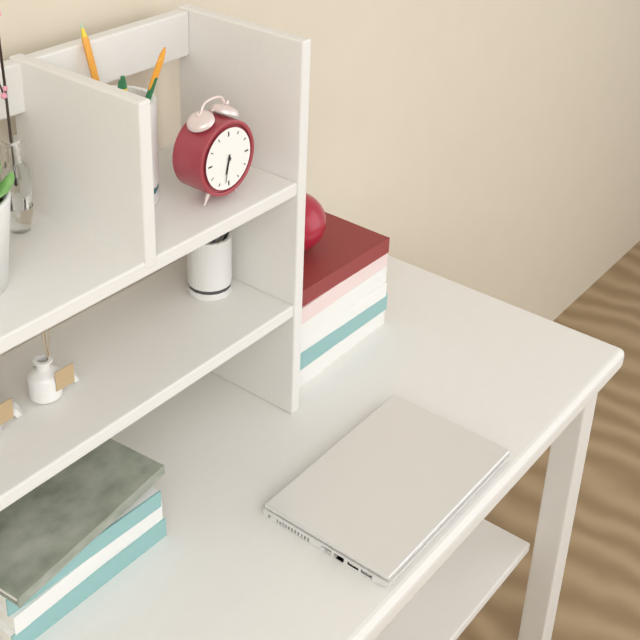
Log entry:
6 h 32 min
